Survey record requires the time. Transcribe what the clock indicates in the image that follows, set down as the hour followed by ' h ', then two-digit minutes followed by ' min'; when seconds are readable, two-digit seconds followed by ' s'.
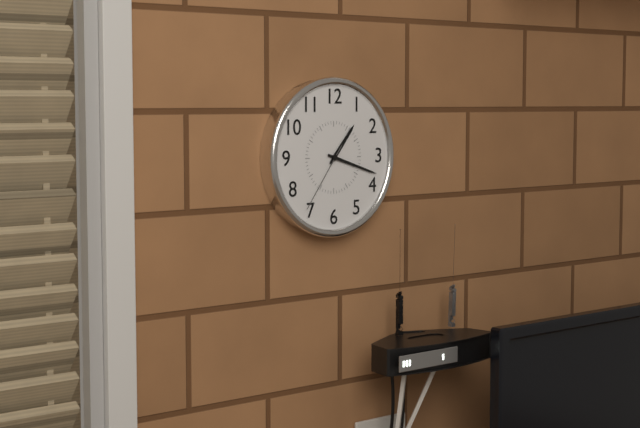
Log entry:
1 h 18 min 36 s
